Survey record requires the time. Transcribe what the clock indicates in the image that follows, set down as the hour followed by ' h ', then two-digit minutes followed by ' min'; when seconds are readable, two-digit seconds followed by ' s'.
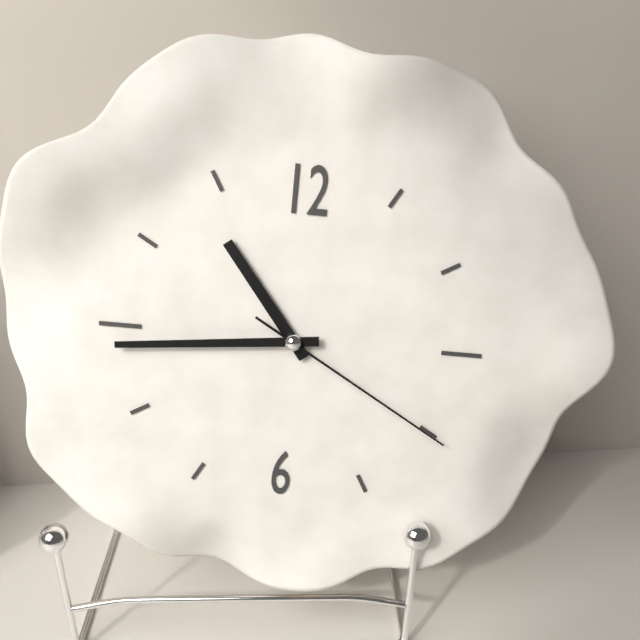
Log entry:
10 h 44 min 20 s
